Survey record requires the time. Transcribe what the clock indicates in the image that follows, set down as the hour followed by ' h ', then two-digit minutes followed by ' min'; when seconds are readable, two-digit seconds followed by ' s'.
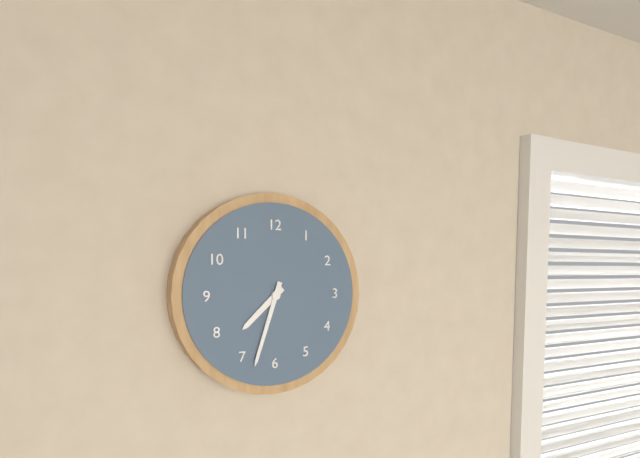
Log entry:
7 h 33 min
